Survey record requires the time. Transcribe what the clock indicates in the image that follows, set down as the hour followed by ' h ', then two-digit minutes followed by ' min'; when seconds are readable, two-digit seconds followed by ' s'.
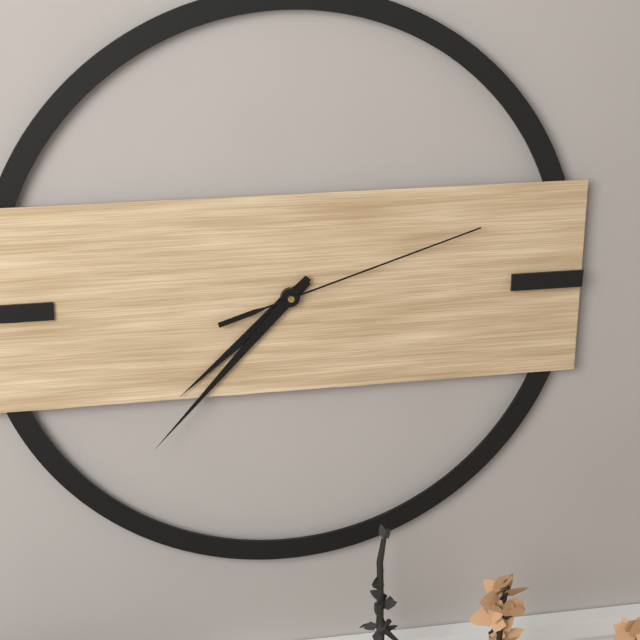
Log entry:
7 h 37 min 12 s
